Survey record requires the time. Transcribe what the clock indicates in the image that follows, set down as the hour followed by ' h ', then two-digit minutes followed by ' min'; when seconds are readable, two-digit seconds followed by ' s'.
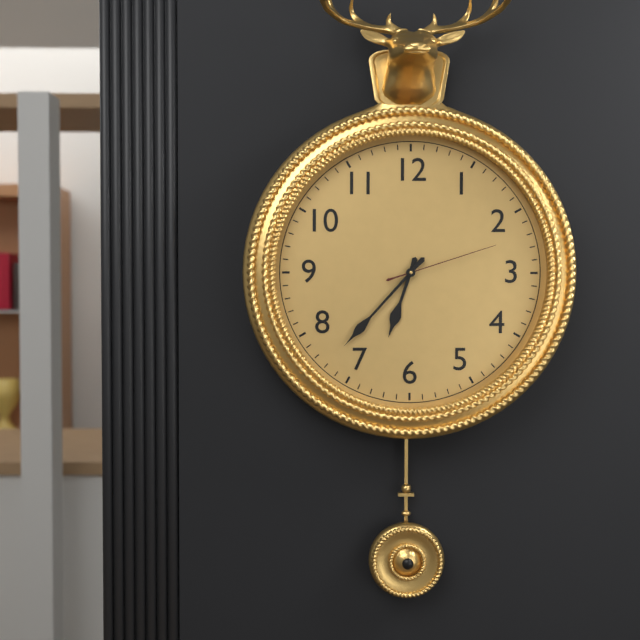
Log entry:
6 h 37 min 12 s
